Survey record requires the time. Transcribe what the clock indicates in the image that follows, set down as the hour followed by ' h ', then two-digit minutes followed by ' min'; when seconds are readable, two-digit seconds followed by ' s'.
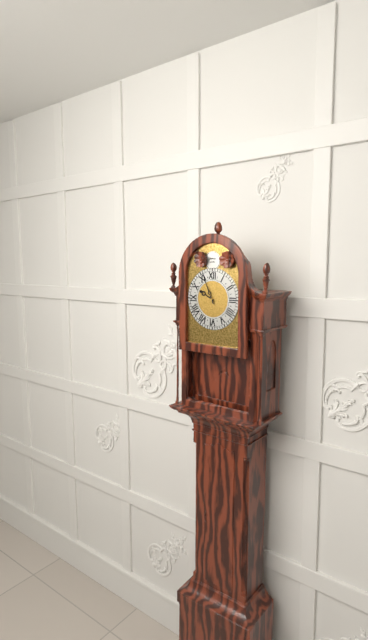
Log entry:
9 h 56 min
